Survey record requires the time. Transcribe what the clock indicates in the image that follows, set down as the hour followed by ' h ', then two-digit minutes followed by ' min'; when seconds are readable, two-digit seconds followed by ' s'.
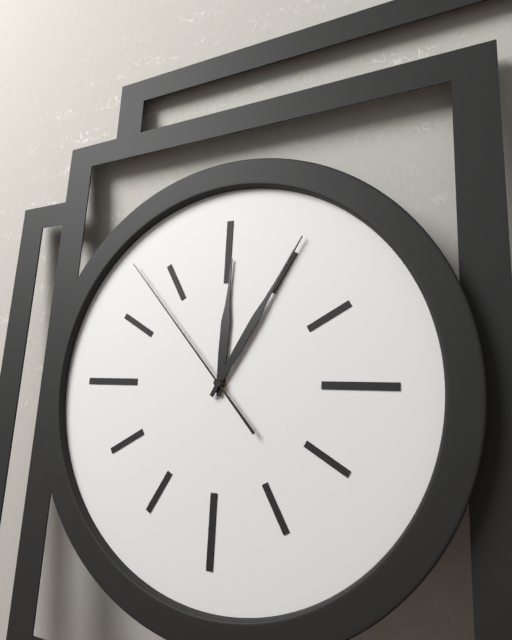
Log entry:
12 h 05 min 53 s
